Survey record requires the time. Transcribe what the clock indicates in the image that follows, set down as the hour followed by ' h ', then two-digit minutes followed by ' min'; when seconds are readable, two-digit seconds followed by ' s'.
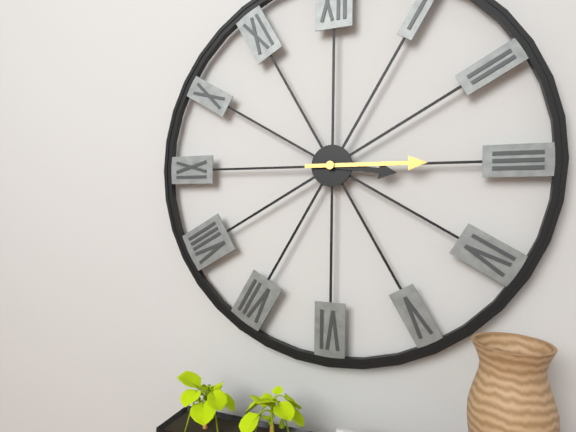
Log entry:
3 h 15 min
